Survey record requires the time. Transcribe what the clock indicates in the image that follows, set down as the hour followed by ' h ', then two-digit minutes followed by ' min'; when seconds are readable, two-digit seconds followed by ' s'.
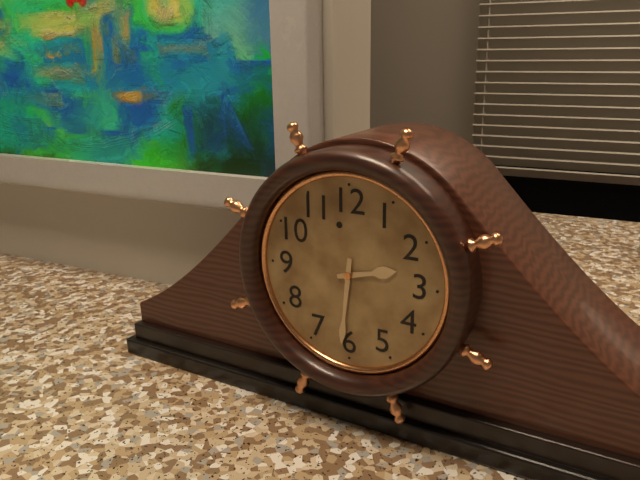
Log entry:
2 h 31 min
